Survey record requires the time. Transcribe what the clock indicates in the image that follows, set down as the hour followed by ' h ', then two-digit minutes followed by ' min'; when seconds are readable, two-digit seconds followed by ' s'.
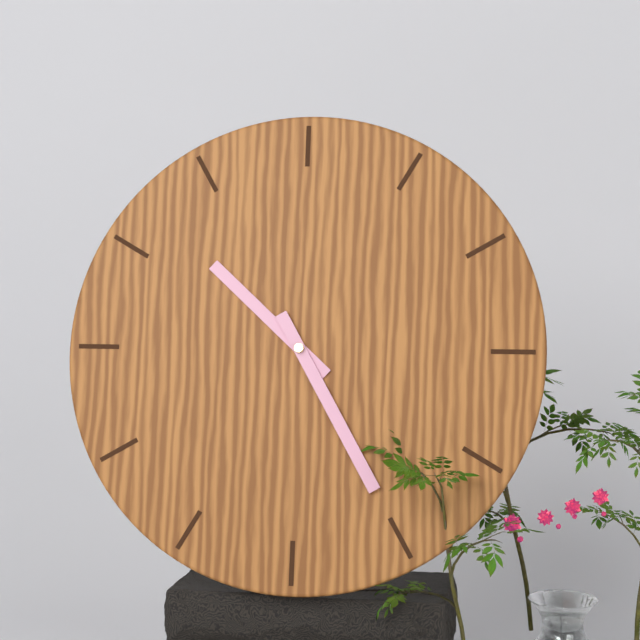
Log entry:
10 h 25 min
